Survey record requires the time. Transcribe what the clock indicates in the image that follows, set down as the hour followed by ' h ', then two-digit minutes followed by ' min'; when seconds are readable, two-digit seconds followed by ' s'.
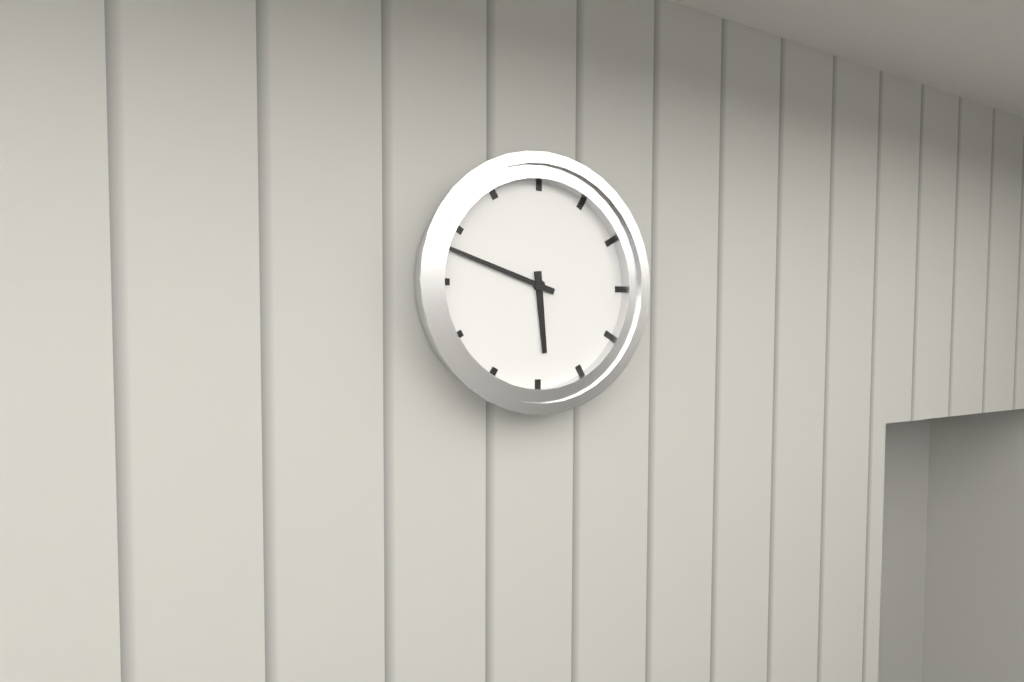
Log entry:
5 h 48 min
